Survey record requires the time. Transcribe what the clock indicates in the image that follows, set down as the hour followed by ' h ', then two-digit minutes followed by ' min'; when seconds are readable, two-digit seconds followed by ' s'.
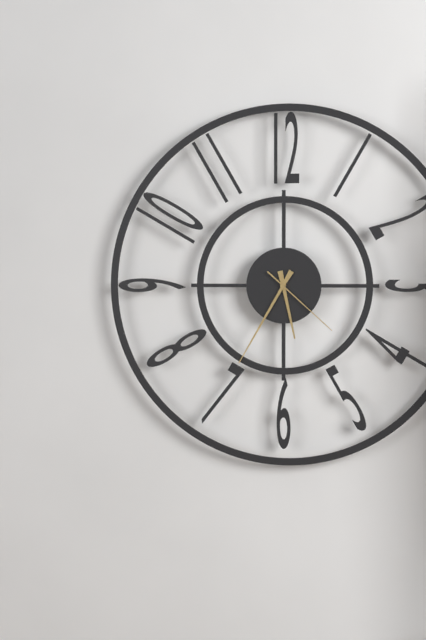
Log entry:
5 h 35 min 22 s
